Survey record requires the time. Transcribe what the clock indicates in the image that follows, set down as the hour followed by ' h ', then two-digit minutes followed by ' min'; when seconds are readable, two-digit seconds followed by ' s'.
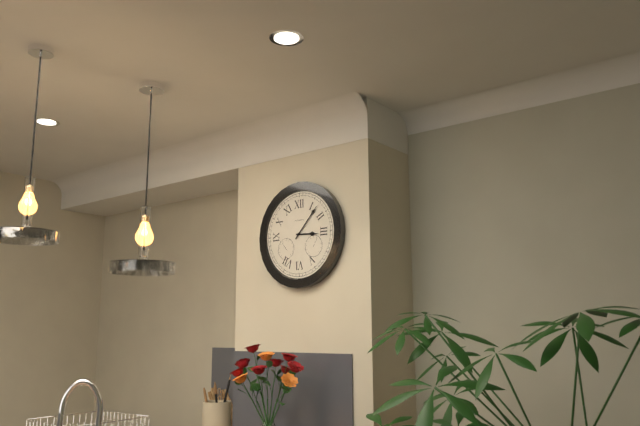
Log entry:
3 h 07 min
